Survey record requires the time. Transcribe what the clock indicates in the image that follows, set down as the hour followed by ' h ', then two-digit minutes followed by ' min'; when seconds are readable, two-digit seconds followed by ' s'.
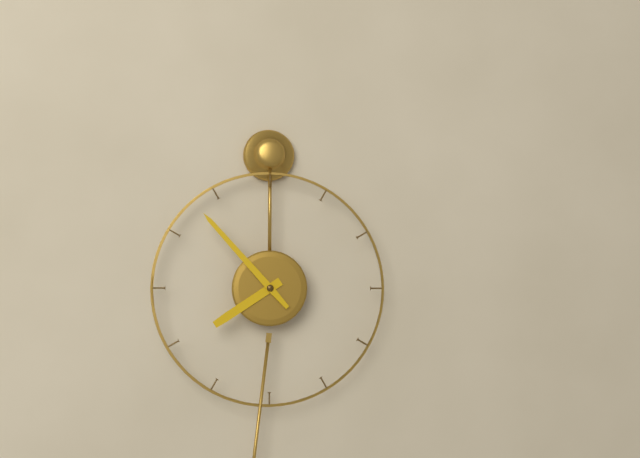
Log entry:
7 h 53 min
